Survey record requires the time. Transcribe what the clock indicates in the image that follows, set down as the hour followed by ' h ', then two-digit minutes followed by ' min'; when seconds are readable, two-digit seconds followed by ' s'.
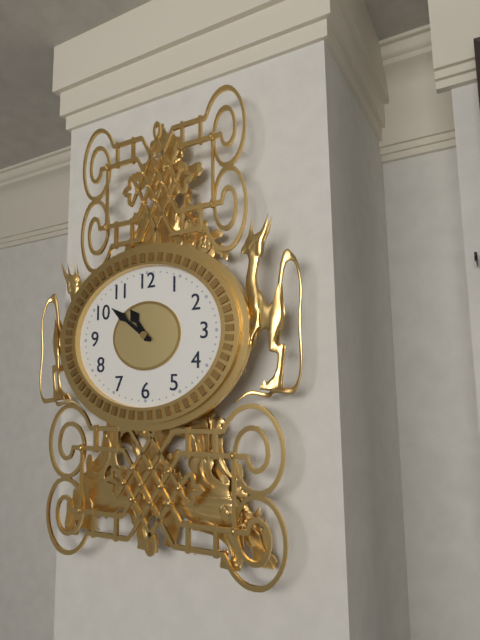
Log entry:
10 h 51 min
